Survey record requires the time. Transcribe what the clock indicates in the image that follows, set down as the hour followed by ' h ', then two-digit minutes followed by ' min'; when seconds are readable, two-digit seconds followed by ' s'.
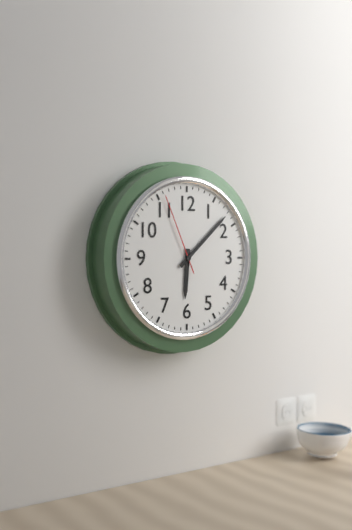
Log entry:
6 h 08 min 56 s
